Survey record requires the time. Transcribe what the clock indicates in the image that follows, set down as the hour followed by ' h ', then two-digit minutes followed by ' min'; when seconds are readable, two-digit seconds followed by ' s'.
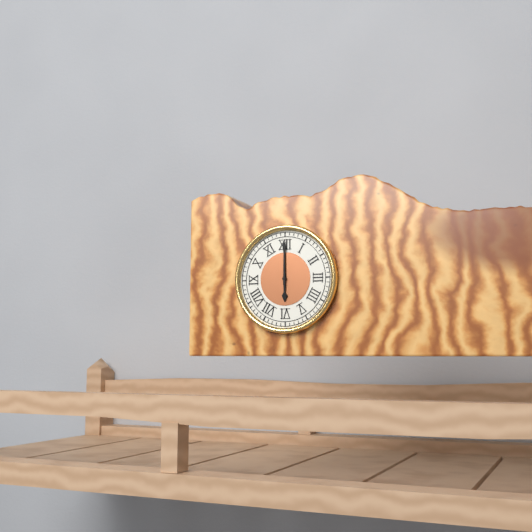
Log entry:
6 h 00 min
